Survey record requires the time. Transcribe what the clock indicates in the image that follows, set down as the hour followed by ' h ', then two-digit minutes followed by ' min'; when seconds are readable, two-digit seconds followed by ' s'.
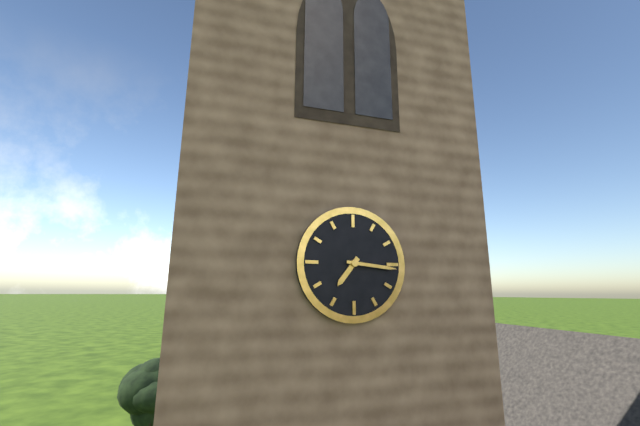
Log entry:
7 h 16 min
